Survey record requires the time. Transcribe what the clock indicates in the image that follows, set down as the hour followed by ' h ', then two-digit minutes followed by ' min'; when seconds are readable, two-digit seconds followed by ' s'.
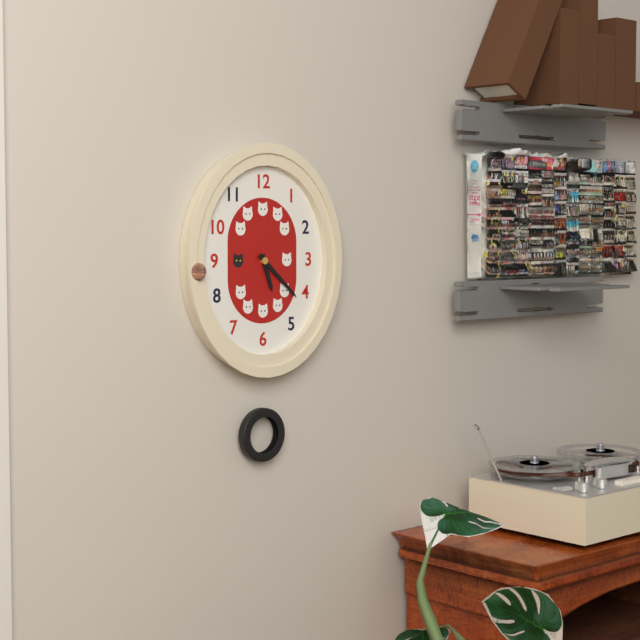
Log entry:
5 h 22 min
